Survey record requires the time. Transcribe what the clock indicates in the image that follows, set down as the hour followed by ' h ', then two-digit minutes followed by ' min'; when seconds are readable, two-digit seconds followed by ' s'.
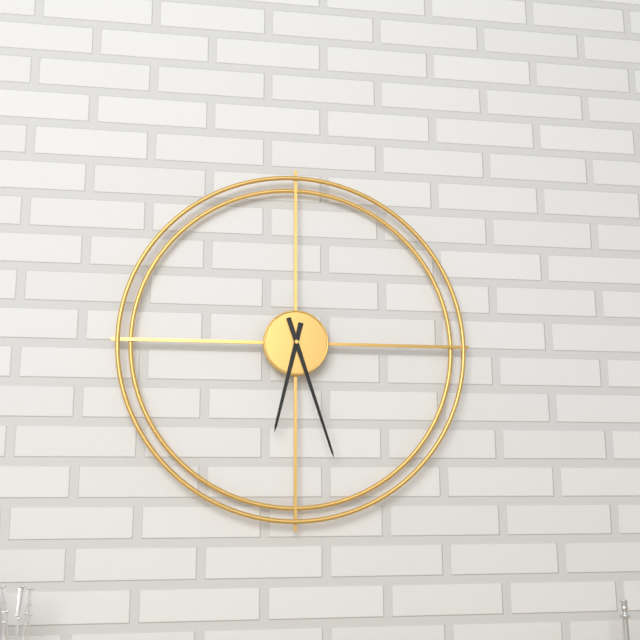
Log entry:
6 h 27 min
